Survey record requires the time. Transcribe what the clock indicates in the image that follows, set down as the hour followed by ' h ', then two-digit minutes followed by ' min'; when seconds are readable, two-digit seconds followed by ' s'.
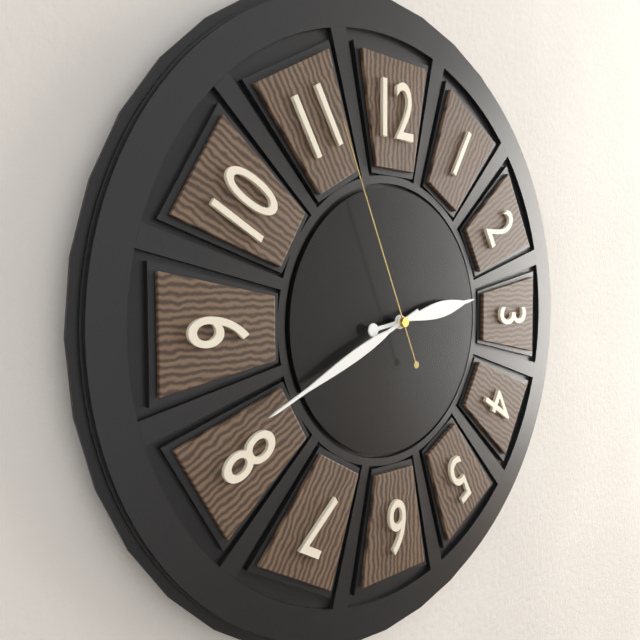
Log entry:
2 h 41 min 56 s
